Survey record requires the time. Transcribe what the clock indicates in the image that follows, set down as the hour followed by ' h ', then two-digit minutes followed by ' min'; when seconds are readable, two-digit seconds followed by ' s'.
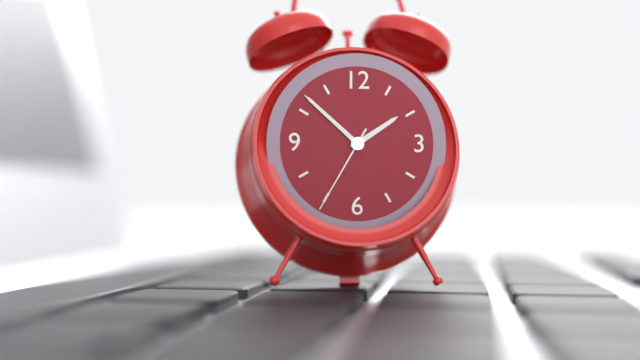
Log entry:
1 h 52 min 35 s
